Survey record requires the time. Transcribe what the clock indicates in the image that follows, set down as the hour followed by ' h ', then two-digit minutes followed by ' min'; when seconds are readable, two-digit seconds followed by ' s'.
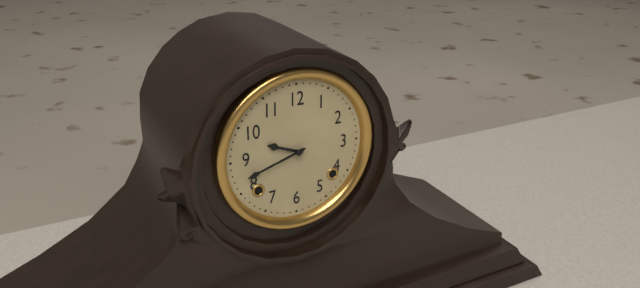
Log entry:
9 h 42 min
